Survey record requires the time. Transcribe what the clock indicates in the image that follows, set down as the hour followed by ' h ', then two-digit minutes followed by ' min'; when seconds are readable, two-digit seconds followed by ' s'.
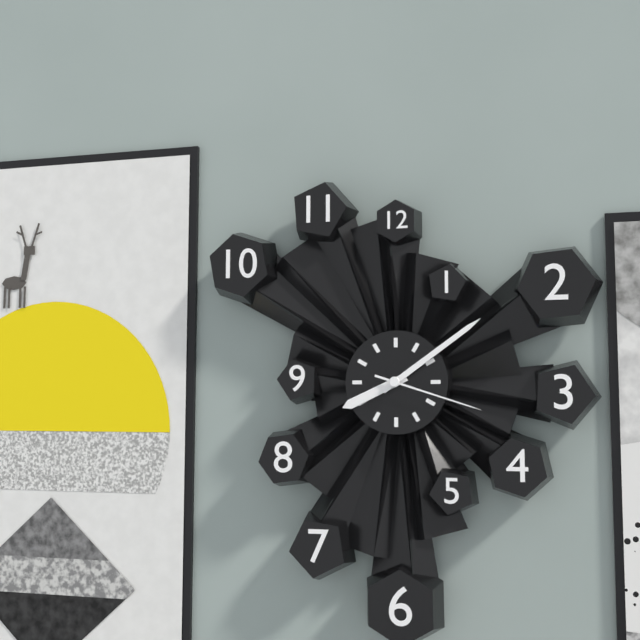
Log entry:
8 h 09 min 18 s
